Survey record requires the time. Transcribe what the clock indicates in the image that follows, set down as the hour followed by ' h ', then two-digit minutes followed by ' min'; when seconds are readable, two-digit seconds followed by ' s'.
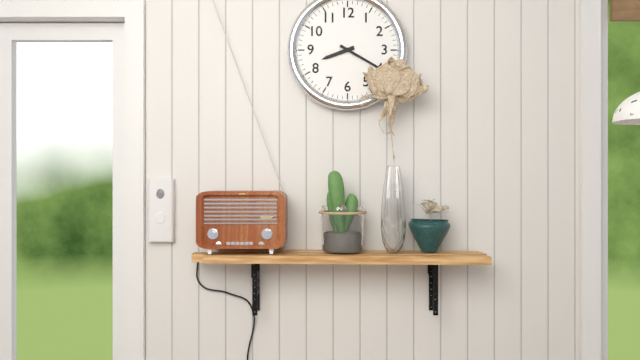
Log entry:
8 h 20 min
